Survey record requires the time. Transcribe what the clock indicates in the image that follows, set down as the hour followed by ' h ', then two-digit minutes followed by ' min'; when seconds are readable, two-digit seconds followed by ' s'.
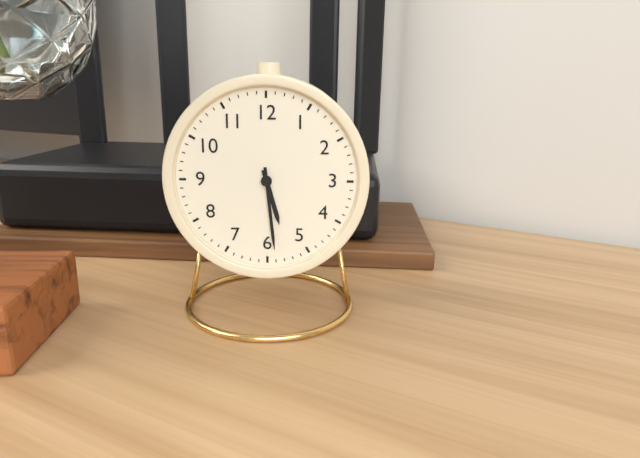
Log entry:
5 h 29 min
